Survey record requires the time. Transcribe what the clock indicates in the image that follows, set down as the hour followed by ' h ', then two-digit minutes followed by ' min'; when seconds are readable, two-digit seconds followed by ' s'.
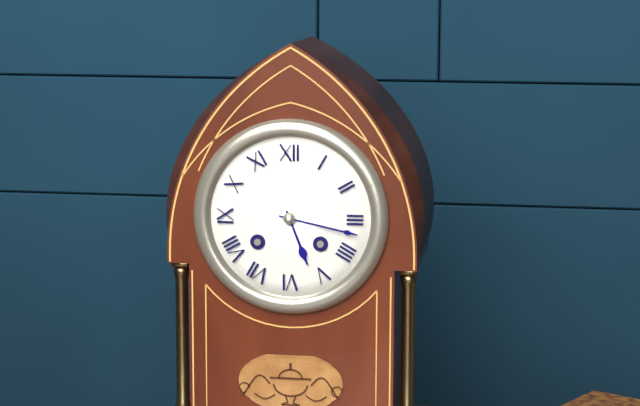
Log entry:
5 h 17 min
